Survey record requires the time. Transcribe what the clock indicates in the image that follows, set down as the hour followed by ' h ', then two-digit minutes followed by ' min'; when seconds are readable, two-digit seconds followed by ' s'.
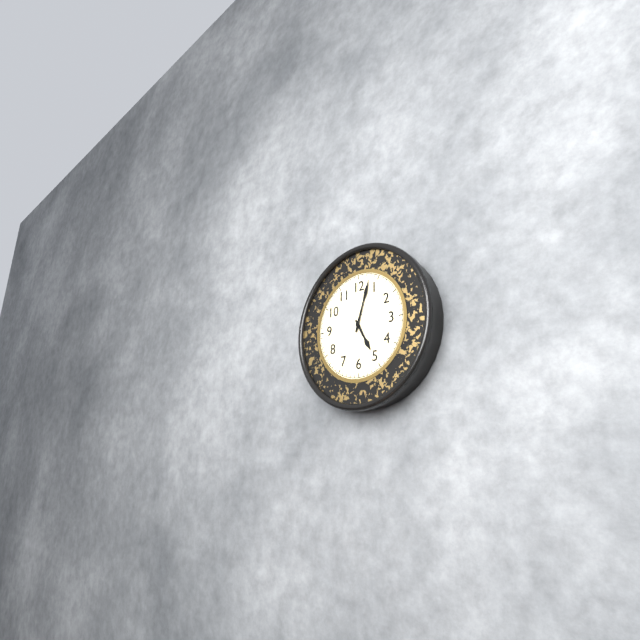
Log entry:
5 h 03 min
